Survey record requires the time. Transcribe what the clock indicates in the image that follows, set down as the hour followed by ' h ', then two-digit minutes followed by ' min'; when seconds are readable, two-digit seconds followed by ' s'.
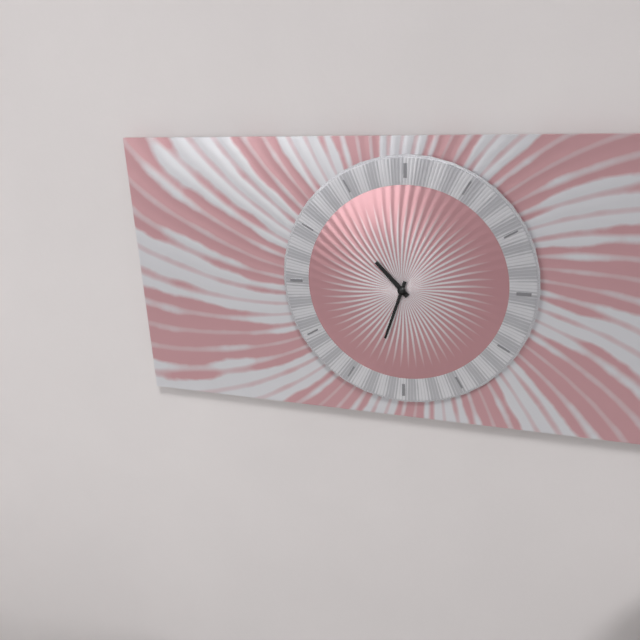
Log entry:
10 h 33 min
